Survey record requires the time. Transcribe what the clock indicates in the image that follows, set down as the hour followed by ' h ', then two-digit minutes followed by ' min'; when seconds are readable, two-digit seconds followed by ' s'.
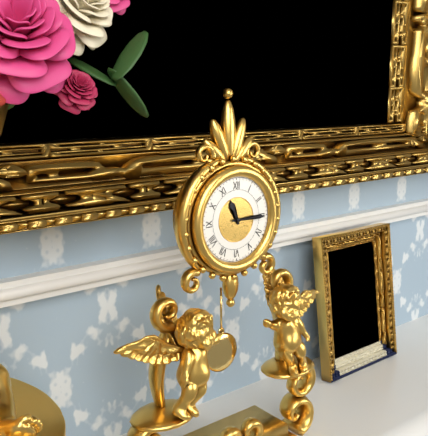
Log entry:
11 h 15 min
